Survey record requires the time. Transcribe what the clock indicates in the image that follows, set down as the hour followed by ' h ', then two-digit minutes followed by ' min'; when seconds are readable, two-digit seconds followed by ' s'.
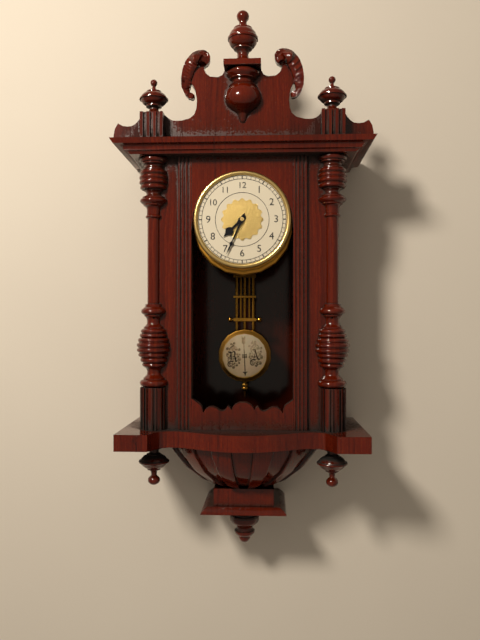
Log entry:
7 h 34 min
